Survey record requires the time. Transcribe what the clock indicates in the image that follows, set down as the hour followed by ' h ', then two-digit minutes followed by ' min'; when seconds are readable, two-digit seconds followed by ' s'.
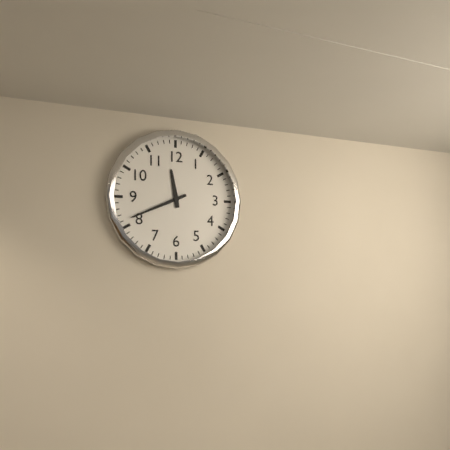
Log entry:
11 h 41 min
